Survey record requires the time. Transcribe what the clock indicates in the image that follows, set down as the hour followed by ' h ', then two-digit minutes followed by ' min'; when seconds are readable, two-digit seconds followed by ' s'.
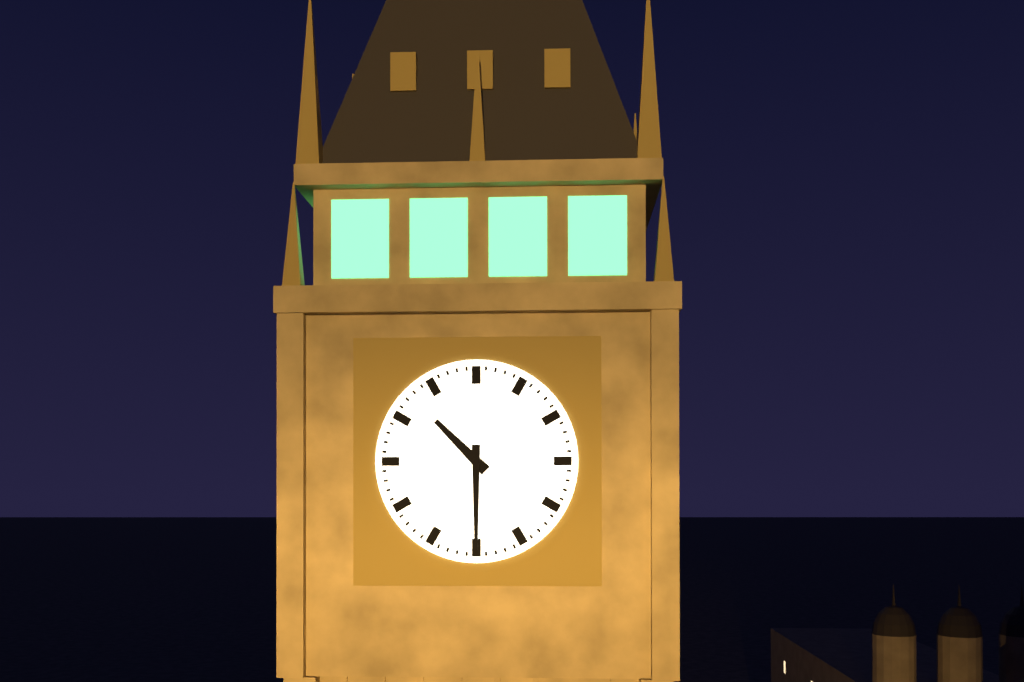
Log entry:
10 h 30 min
